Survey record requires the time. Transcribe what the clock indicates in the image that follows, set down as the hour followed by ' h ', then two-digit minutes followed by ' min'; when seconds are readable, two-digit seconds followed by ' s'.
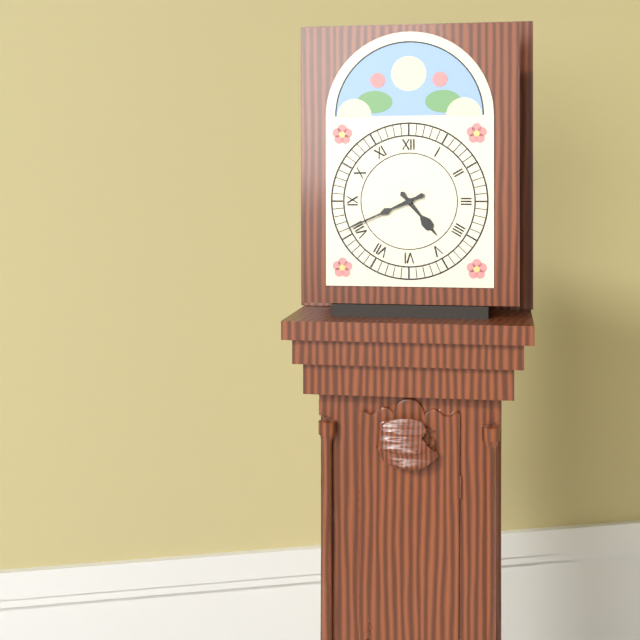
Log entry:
4 h 41 min
